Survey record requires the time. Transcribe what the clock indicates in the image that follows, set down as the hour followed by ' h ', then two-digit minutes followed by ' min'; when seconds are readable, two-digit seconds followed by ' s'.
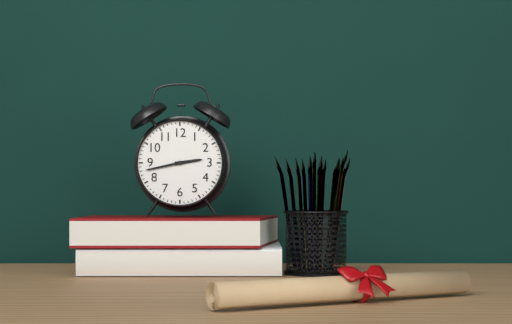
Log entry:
2 h 43 min
